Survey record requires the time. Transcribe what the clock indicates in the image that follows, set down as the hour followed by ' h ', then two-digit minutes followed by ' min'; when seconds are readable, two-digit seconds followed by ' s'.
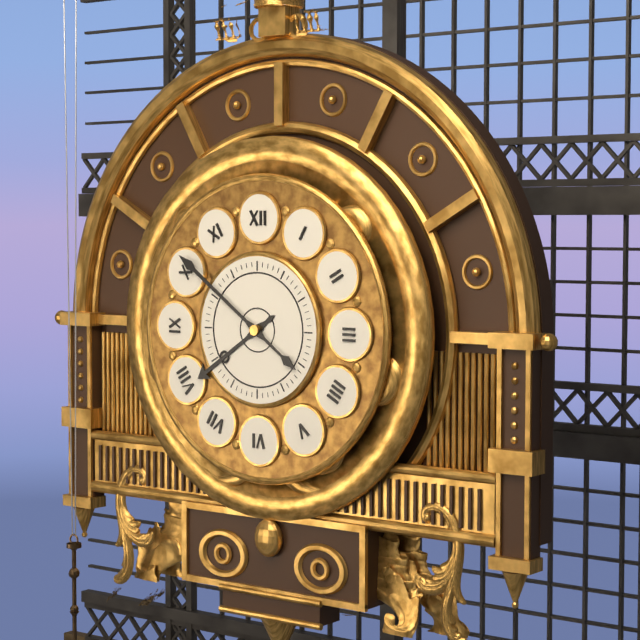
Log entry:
7 h 51 min
